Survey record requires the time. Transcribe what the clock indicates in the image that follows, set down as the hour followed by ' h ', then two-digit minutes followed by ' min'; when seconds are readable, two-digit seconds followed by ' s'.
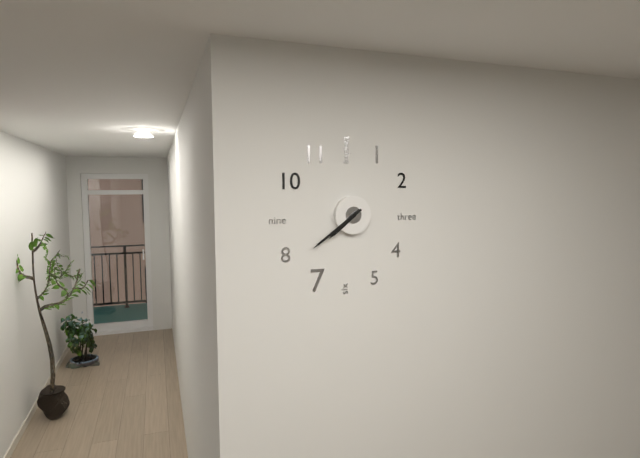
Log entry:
7 h 39 min
